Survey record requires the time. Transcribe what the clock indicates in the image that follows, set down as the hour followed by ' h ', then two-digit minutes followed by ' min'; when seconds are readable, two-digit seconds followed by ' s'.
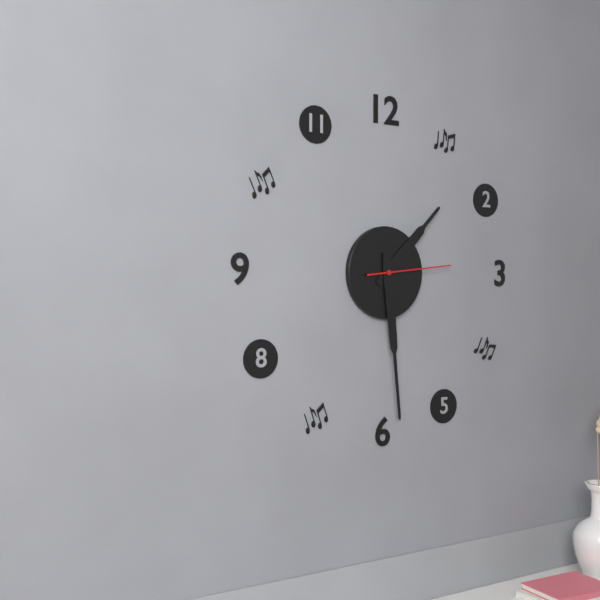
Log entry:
1 h 29 min 14 s
